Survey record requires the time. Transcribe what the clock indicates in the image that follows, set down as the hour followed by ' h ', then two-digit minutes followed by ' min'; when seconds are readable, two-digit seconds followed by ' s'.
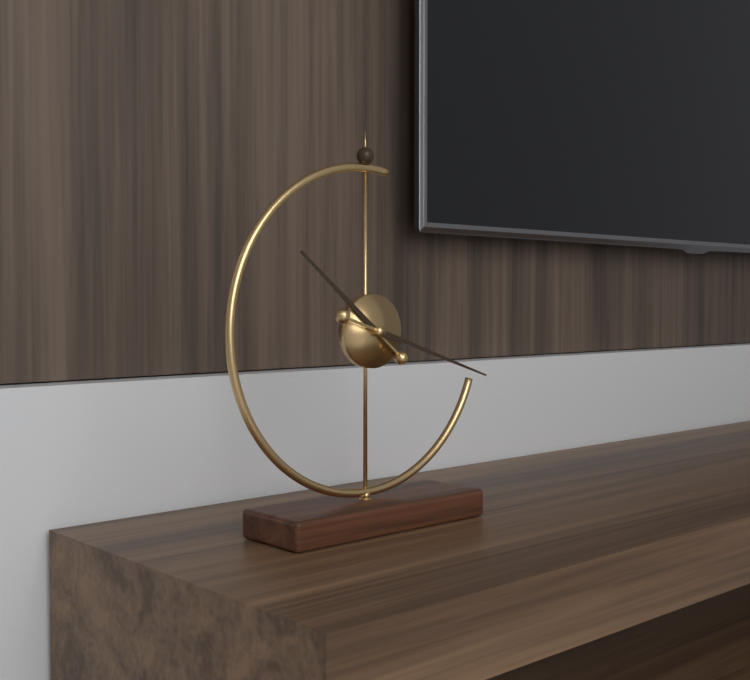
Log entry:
10 h 18 min
